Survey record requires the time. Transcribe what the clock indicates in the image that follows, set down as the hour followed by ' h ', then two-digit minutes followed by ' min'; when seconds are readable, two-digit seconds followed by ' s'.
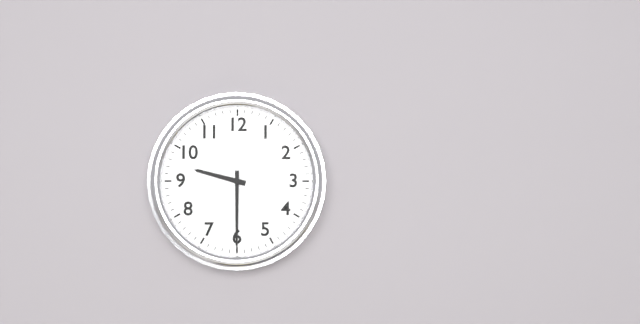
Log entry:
9 h 30 min
